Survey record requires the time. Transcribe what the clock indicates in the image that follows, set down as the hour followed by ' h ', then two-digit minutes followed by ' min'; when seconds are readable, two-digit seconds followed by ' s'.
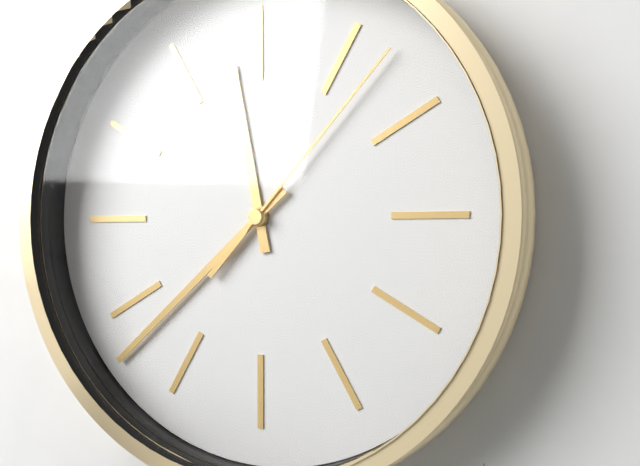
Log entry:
11 h 38 min 07 s
